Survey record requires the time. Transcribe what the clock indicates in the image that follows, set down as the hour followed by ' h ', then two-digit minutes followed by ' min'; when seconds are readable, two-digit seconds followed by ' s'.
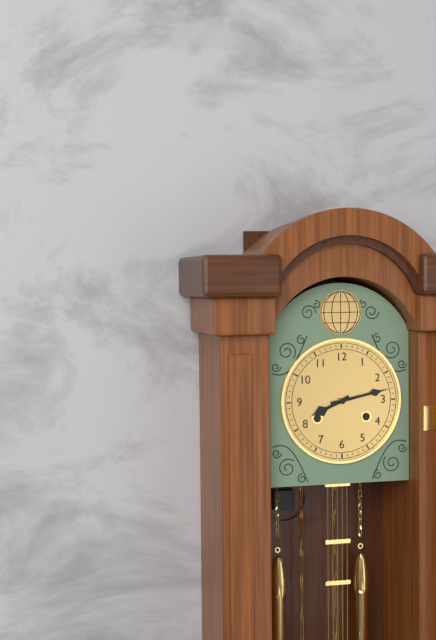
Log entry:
8 h 13 min
